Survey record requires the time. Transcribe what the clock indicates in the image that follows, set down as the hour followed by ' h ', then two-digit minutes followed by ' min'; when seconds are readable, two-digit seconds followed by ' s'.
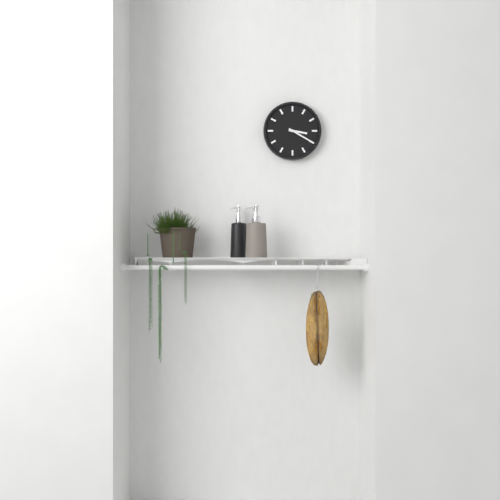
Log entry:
3 h 20 min
